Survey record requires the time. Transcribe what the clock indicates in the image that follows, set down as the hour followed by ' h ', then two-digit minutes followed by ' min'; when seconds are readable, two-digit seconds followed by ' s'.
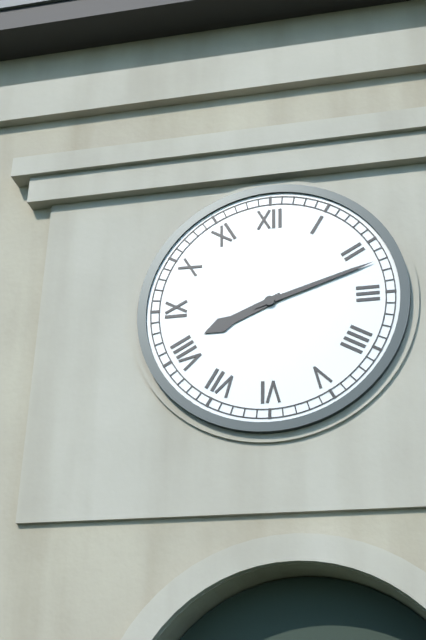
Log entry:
8 h 12 min
